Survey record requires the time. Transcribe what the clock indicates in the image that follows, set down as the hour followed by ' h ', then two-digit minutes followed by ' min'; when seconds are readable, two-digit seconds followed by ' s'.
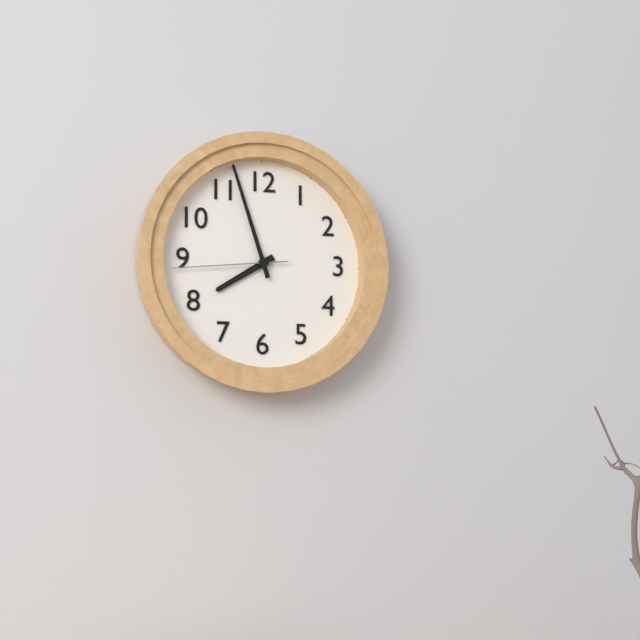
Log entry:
7 h 57 min 44 s
